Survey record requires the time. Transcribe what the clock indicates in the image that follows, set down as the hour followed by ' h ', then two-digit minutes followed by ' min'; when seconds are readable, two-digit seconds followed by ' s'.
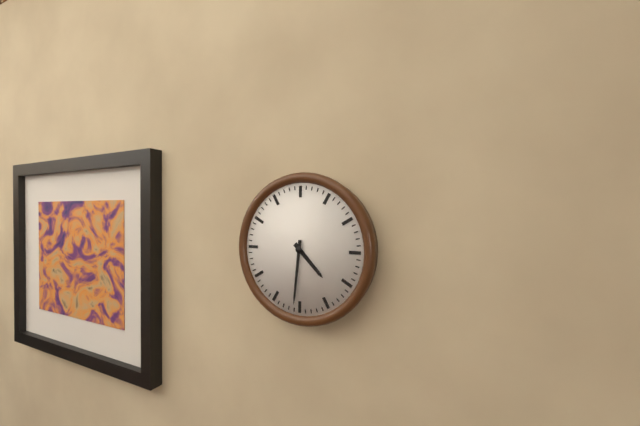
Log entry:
4 h 31 min
